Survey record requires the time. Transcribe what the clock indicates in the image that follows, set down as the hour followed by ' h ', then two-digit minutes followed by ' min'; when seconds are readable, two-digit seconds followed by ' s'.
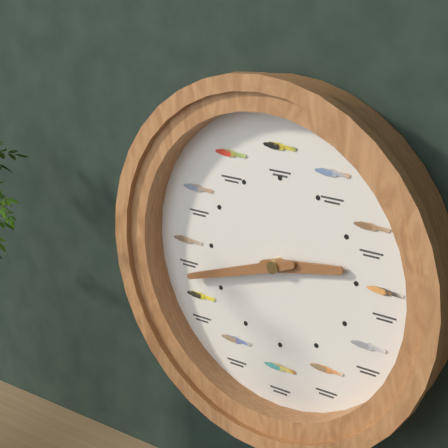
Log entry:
2 h 42 min
